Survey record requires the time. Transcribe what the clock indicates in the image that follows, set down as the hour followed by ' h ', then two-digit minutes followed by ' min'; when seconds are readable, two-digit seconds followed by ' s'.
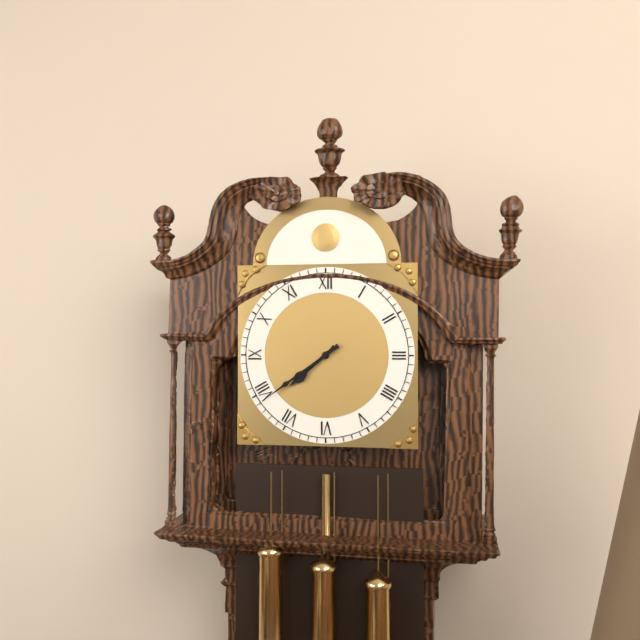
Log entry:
7 h 39 min
